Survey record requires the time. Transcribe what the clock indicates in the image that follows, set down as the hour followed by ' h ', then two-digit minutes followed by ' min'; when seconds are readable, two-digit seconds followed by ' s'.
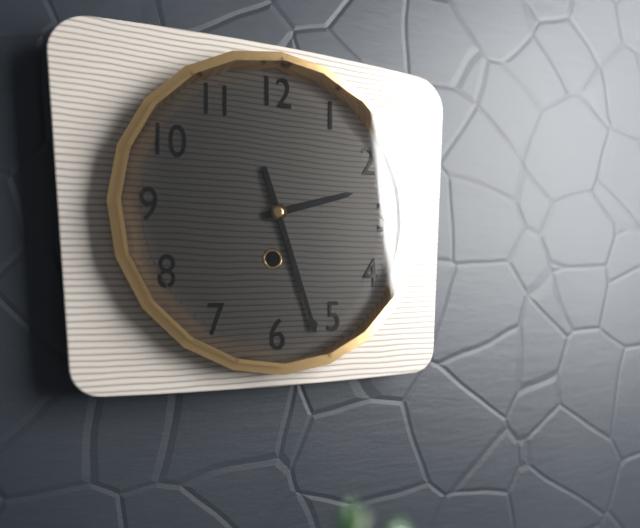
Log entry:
2 h 27 min
